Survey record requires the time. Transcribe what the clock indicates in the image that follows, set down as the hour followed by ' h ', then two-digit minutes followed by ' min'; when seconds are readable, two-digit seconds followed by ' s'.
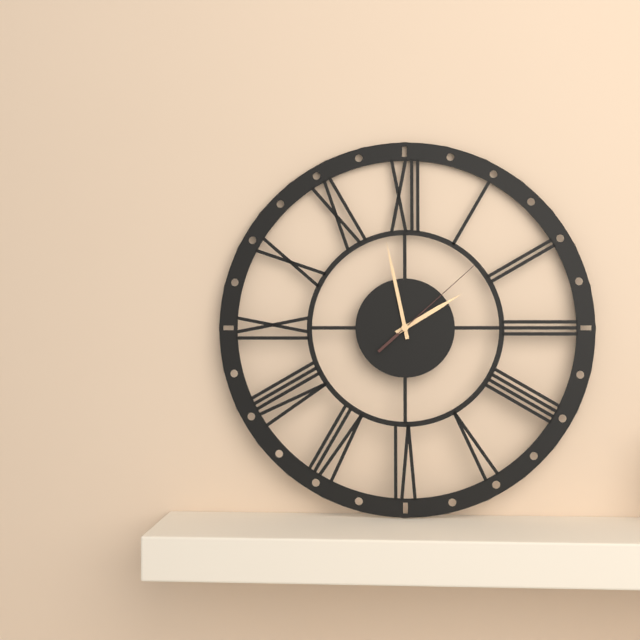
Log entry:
1 h 58 min 08 s
